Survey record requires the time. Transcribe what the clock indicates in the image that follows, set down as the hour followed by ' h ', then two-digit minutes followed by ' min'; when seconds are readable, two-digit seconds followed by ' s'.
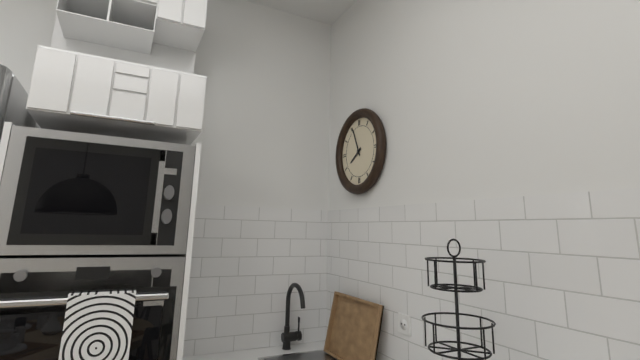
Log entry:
7 h 56 min
